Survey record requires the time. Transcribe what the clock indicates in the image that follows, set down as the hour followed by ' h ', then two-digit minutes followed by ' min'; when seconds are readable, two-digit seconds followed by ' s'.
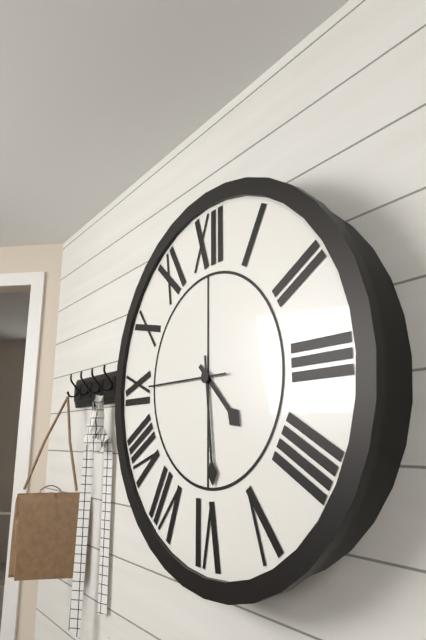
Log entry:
4 h 29 min 45 s
